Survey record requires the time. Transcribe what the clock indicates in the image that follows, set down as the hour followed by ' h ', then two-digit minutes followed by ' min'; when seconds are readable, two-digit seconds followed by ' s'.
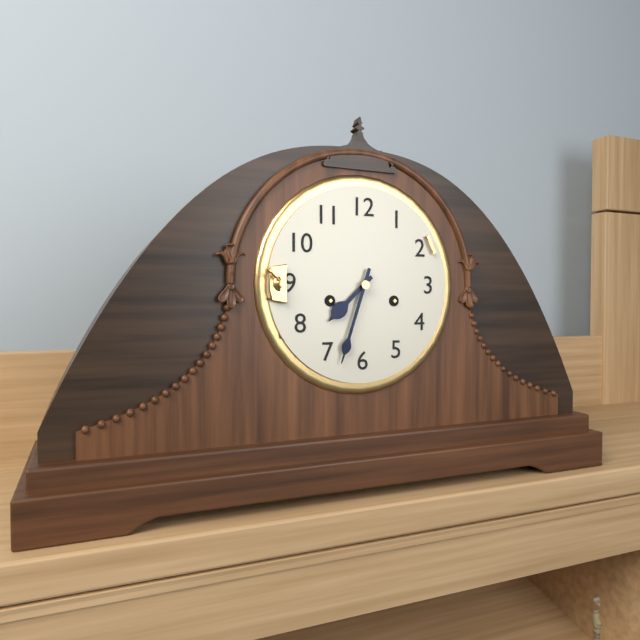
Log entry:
7 h 33 min
